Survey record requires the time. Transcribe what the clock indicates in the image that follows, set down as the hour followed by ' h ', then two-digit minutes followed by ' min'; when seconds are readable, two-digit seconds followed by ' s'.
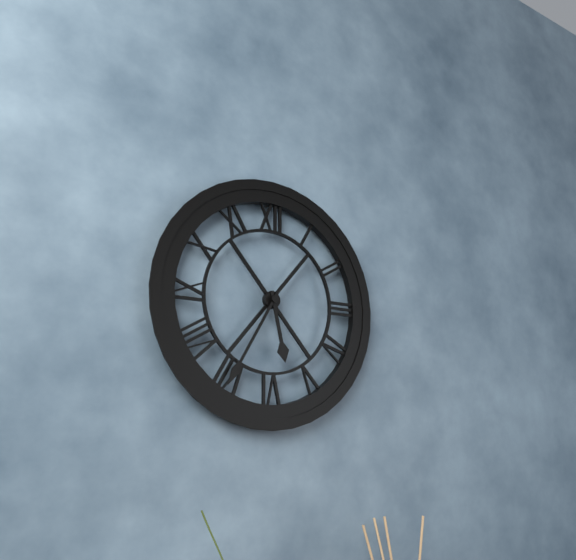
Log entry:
5 h 35 min
